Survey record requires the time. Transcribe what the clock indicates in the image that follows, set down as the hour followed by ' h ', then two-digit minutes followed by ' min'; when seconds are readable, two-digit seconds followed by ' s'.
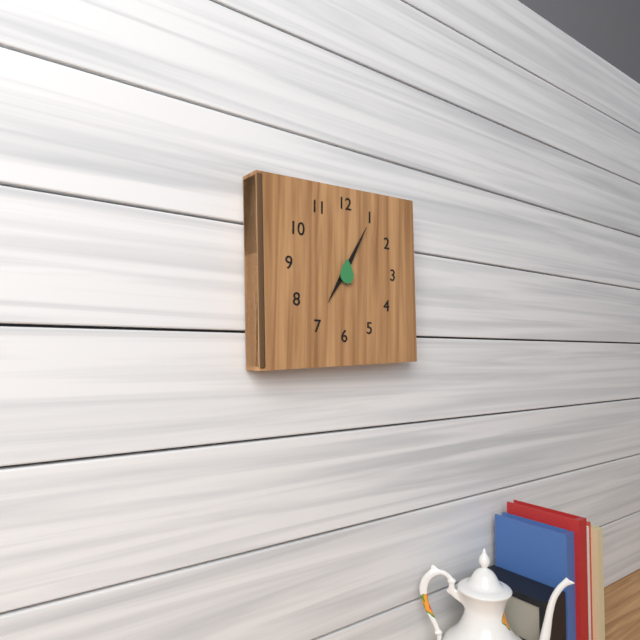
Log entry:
7 h 05 min
